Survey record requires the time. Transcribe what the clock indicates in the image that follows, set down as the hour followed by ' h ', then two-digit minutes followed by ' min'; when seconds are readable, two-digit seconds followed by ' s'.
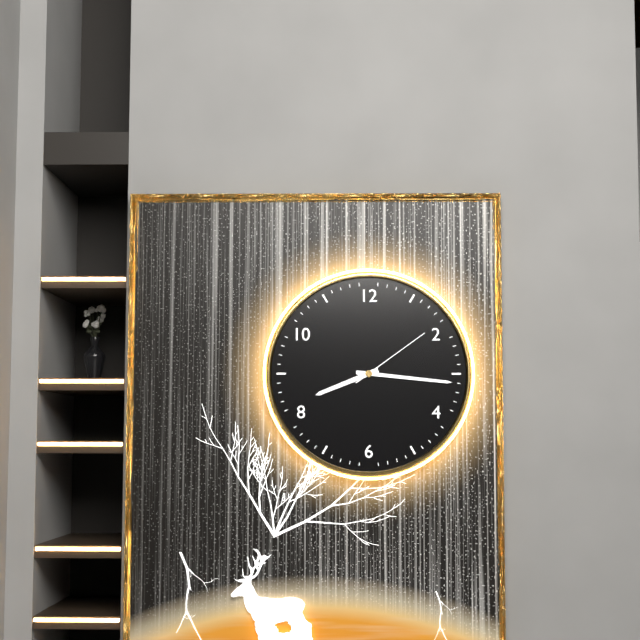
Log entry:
8 h 16 min 09 s
